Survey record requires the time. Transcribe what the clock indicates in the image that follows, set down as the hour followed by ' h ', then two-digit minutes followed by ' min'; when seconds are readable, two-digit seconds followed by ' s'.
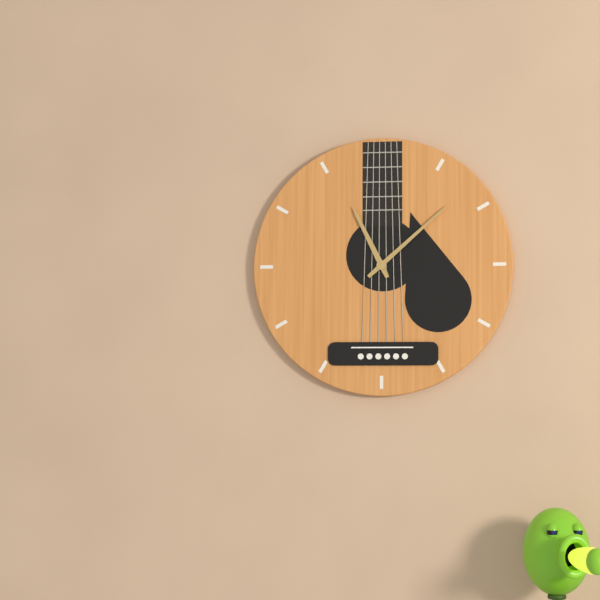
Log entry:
11 h 08 min
